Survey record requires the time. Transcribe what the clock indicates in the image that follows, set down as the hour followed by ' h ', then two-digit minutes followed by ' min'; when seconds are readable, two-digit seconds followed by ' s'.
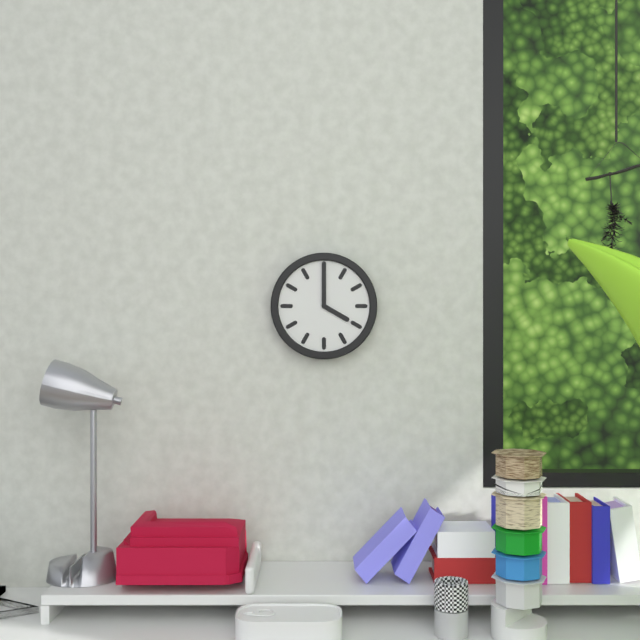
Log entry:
4 h 00 min
